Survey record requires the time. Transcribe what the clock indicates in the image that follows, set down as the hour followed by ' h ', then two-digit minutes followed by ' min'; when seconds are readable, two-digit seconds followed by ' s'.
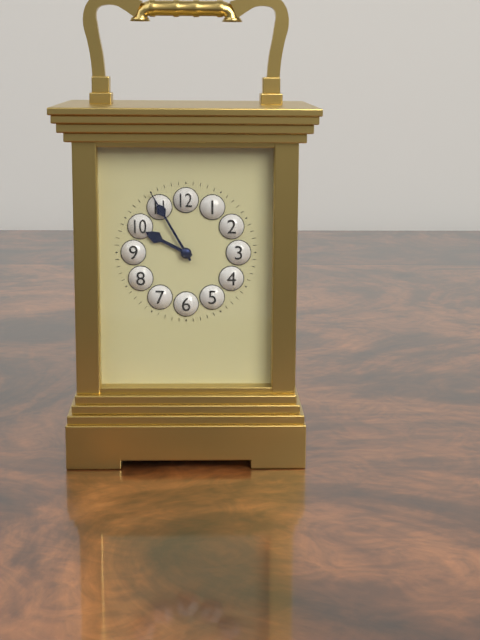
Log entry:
9 h 55 min
